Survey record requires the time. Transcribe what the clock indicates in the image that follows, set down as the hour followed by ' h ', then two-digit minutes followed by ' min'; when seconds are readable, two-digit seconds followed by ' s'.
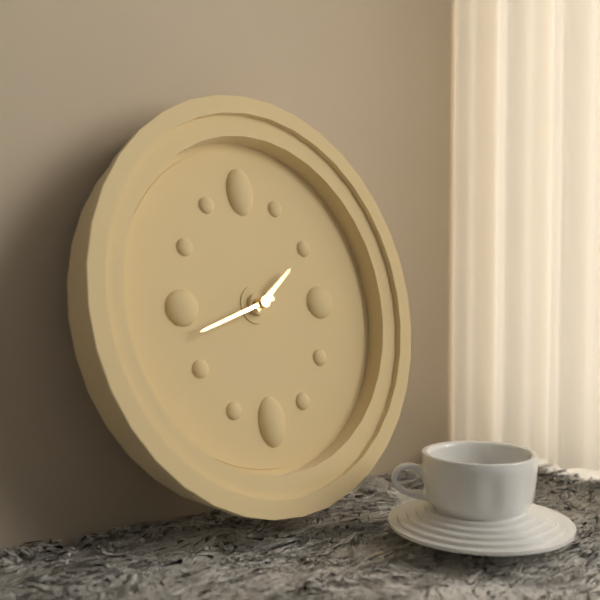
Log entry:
1 h 42 min
